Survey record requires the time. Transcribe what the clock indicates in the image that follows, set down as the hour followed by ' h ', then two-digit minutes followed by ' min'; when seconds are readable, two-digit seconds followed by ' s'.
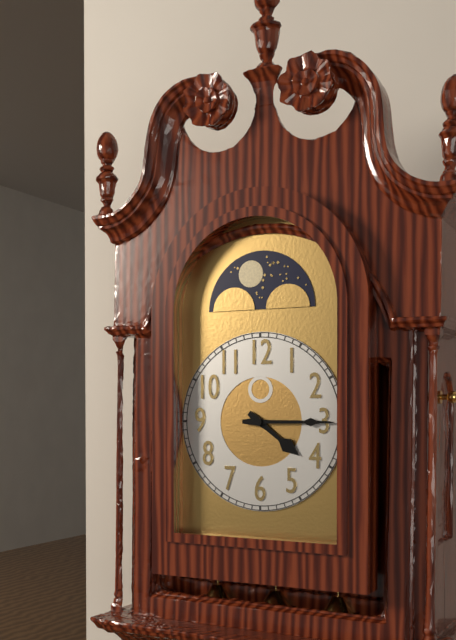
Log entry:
4 h 15 min
